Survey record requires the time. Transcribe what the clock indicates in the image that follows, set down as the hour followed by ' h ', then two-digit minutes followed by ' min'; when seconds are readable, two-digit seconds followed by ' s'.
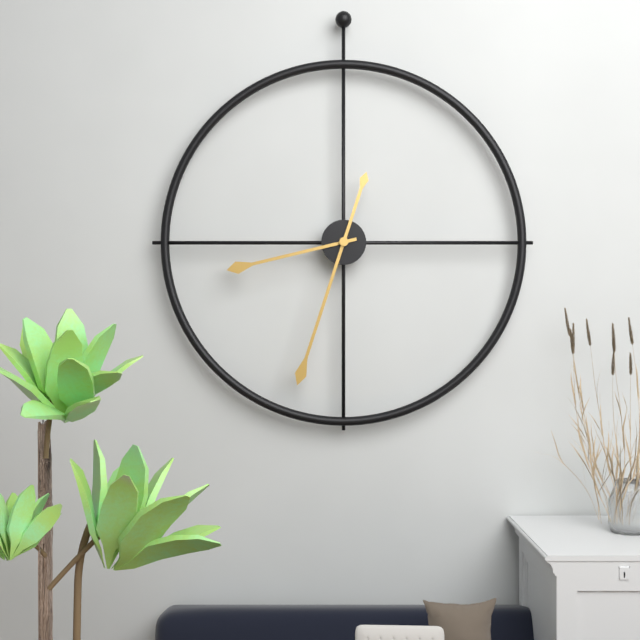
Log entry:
8 h 33 min
